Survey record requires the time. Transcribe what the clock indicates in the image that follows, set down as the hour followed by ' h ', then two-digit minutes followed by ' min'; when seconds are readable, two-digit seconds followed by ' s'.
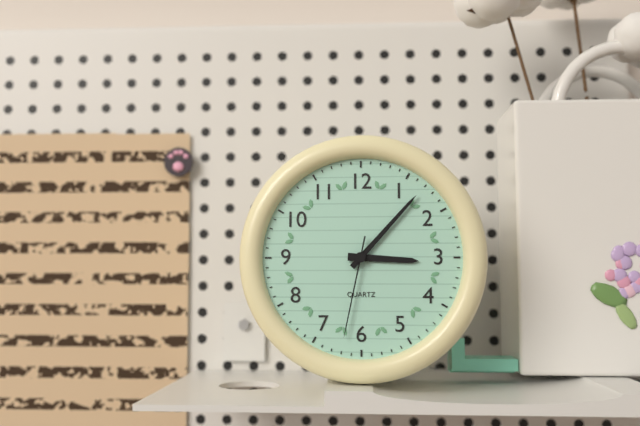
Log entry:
3 h 07 min 32 s
